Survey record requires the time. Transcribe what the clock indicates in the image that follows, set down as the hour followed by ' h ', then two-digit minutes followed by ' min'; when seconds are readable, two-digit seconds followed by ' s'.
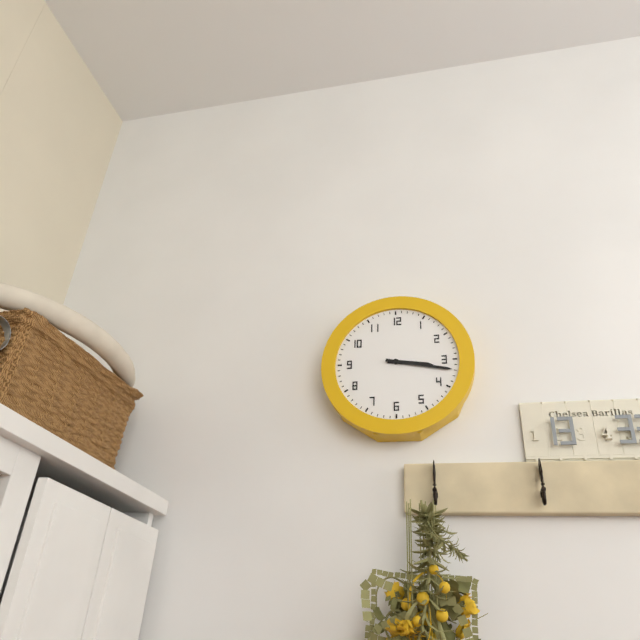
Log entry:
3 h 17 min
